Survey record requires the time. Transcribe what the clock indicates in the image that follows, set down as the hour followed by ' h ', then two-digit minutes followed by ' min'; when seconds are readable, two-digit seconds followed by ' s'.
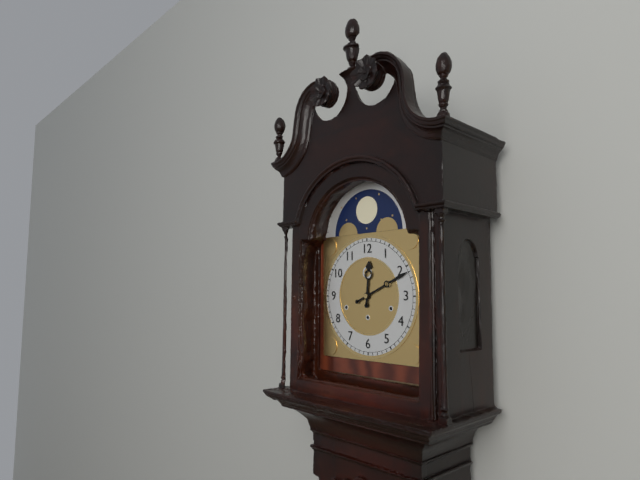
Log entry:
12 h 11 min
